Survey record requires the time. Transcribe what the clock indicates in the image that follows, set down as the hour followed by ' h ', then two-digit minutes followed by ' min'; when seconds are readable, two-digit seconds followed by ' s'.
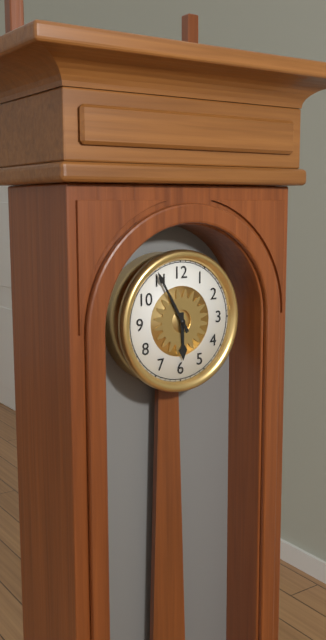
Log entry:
5 h 55 min
